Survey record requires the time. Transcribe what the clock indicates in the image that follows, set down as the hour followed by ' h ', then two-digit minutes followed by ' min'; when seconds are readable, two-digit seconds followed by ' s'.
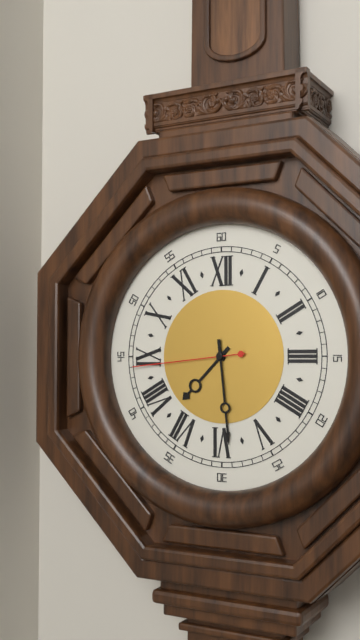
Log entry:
7 h 29 min 44 s
